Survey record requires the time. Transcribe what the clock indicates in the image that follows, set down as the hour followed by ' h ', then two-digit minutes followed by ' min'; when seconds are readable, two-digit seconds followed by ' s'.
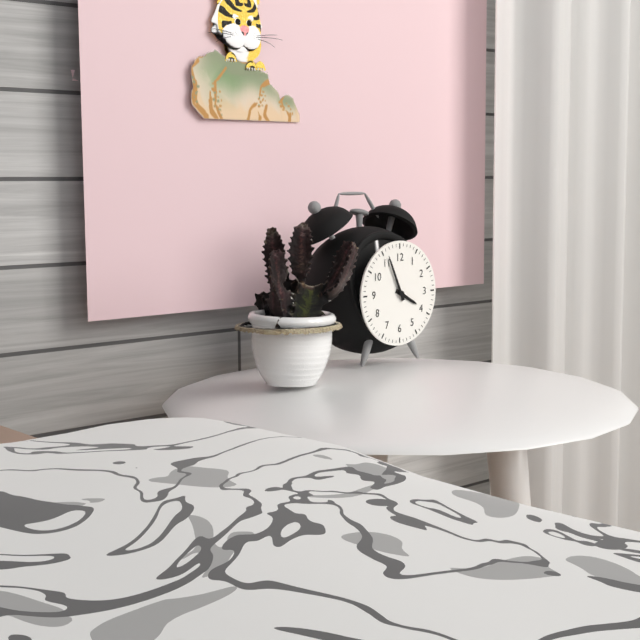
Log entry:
3 h 56 min
